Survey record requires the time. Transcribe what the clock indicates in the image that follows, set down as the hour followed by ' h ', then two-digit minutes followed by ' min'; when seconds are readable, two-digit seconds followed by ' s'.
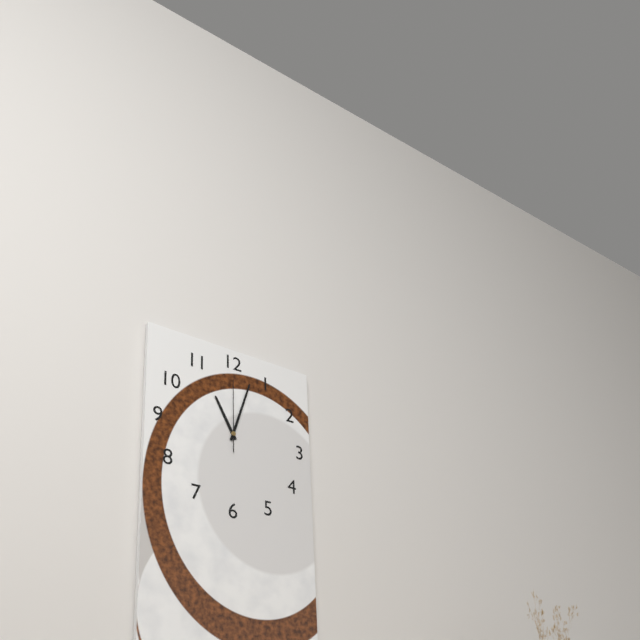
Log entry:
11 h 03 min 00 s
